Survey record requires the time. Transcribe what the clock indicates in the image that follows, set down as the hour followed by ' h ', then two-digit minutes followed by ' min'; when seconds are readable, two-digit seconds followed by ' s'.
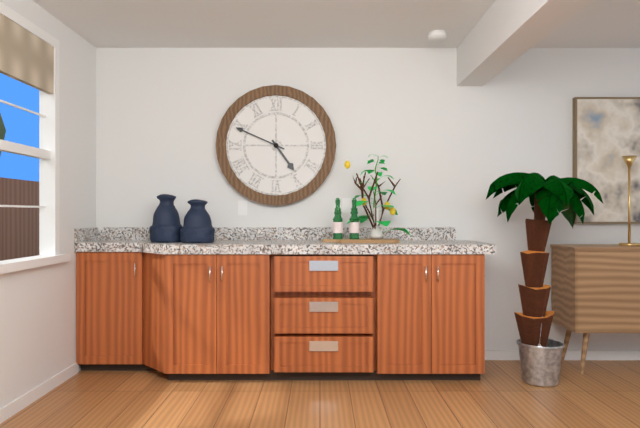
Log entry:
4 h 49 min
